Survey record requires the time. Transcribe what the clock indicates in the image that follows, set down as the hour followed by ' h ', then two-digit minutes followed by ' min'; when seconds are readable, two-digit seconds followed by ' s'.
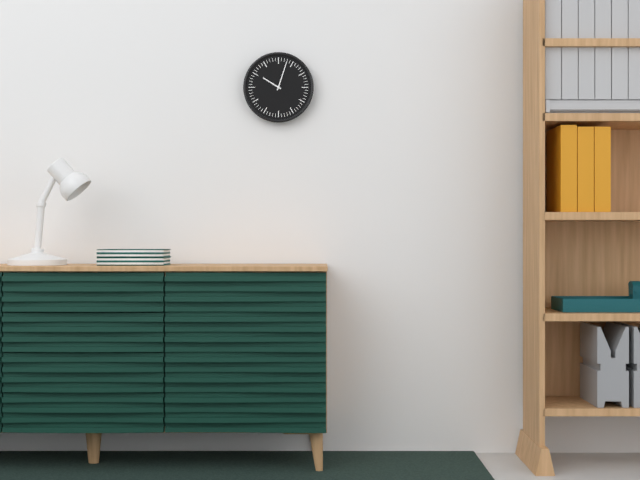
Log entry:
10 h 03 min
